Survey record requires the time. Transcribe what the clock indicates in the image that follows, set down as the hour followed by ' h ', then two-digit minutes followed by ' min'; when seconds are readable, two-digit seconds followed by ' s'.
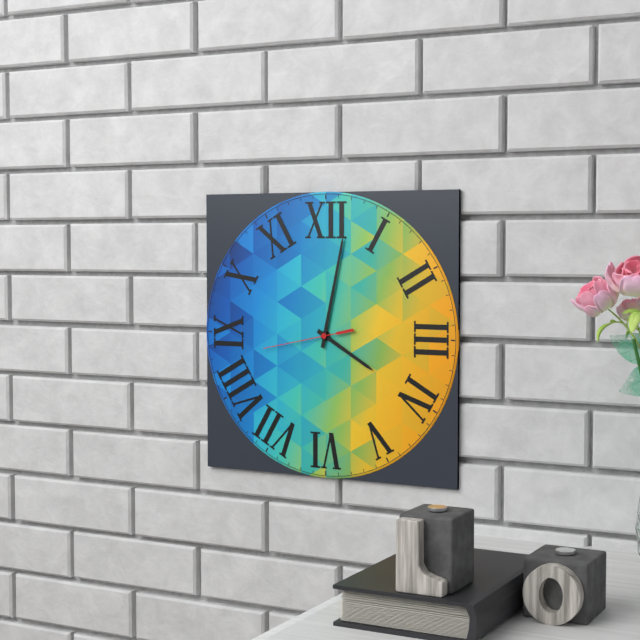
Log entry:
4 h 02 min 43 s
